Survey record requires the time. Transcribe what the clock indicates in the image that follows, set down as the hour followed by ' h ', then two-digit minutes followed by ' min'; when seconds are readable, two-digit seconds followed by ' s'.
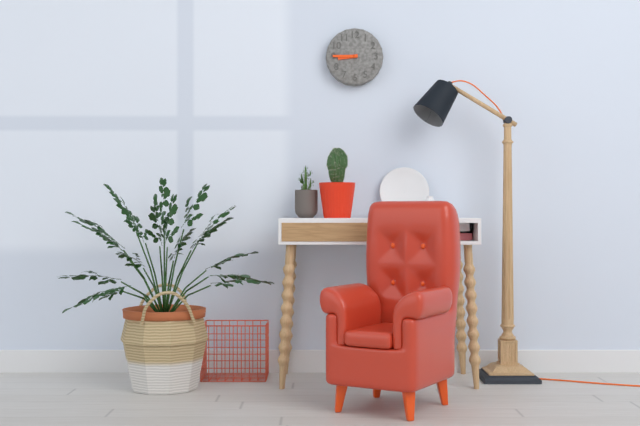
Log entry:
8 h 45 min
